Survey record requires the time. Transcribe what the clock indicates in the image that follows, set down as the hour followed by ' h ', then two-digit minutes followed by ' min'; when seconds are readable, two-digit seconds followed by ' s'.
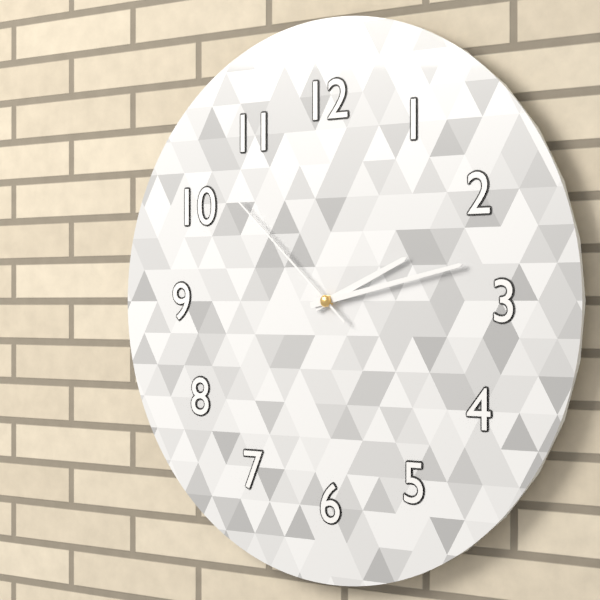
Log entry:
2 h 13 min 52 s
